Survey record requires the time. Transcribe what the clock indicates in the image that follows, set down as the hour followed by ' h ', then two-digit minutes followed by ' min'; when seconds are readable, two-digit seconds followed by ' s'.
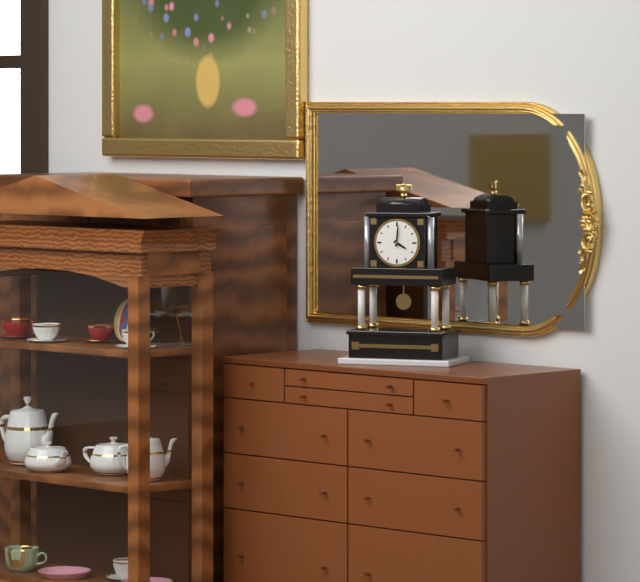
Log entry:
4 h 01 min
